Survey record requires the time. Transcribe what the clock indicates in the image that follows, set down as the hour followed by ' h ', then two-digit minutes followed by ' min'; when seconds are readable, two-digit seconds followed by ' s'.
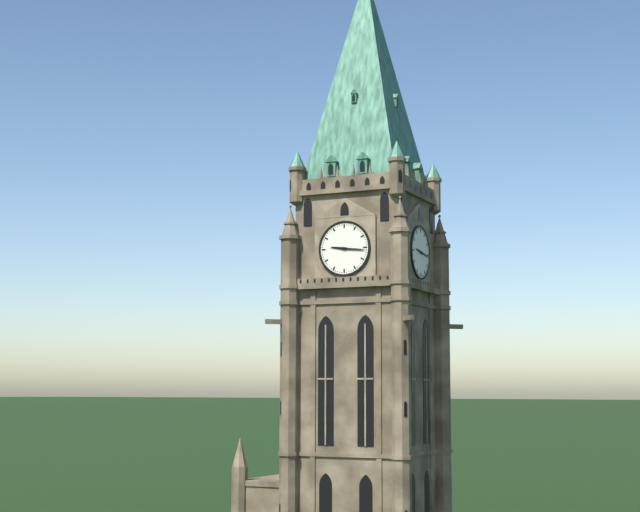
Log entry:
9 h 16 min
